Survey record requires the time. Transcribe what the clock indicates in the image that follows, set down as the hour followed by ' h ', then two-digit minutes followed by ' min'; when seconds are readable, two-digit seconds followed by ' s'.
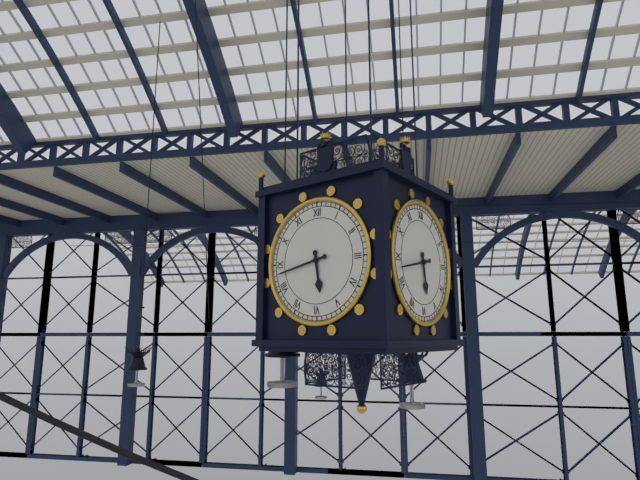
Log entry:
5 h 43 min
